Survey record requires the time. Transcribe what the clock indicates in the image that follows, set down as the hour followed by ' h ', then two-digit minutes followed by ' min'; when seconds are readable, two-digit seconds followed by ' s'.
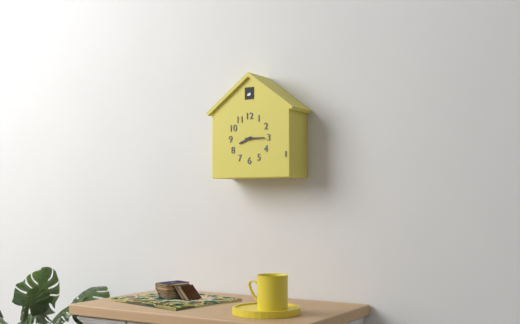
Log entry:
8 h 15 min
